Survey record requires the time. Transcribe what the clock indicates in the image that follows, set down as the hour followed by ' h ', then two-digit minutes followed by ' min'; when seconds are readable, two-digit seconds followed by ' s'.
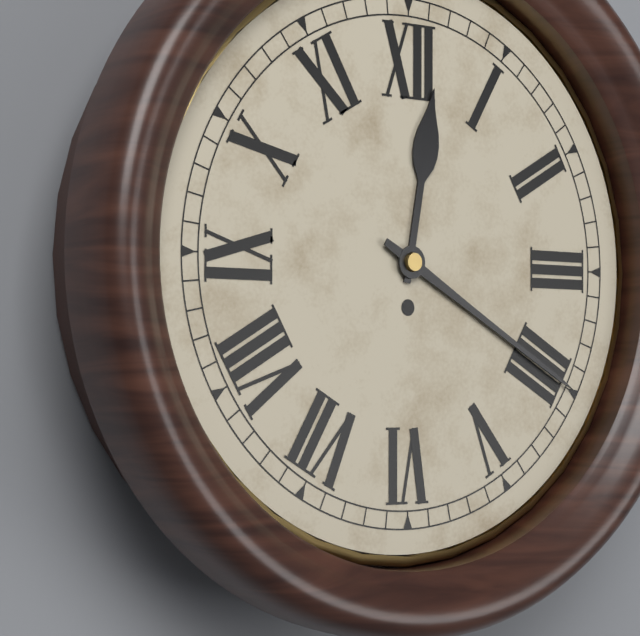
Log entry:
12 h 20 min
